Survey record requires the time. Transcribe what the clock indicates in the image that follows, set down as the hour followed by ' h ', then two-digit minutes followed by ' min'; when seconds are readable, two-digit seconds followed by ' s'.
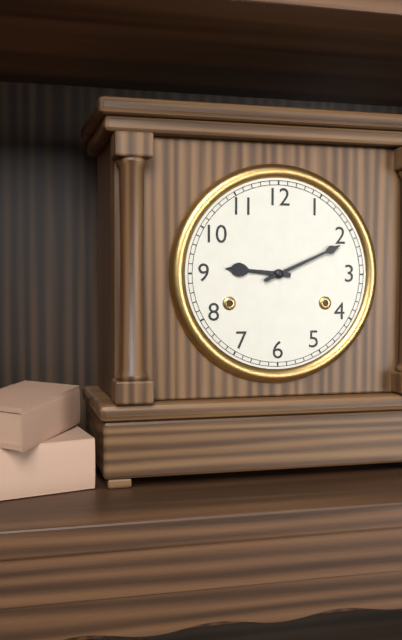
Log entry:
9 h 11 min
